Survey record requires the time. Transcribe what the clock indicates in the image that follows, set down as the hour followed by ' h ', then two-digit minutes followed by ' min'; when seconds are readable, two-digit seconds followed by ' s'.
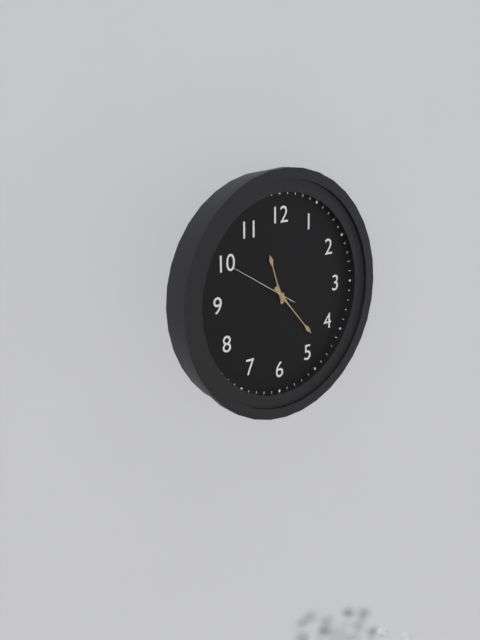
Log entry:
11 h 23 min 50 s
